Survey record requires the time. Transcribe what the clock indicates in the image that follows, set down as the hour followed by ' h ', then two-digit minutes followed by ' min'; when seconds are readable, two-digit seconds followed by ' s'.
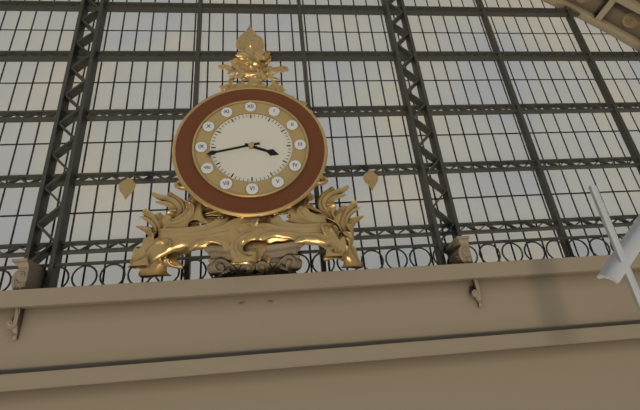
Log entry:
3 h 43 min
